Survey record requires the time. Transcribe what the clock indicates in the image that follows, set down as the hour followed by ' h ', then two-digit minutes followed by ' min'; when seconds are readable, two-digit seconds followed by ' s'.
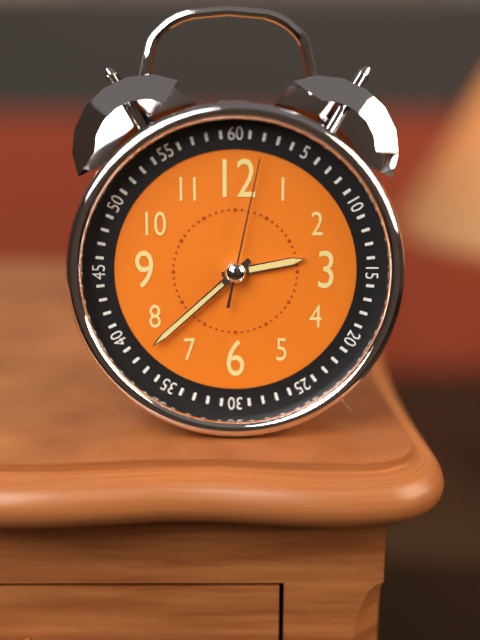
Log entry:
2 h 38 min 02 s
